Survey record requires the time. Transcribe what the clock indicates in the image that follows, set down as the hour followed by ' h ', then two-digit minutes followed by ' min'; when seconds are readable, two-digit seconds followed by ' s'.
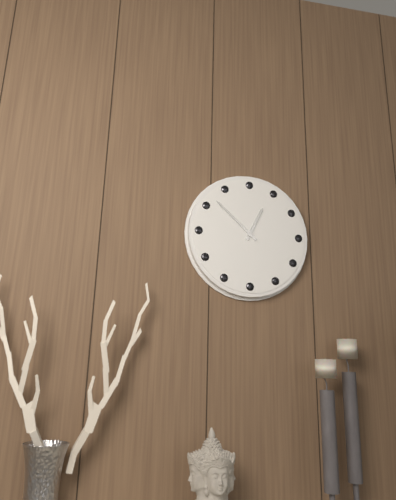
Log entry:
12 h 52 min
